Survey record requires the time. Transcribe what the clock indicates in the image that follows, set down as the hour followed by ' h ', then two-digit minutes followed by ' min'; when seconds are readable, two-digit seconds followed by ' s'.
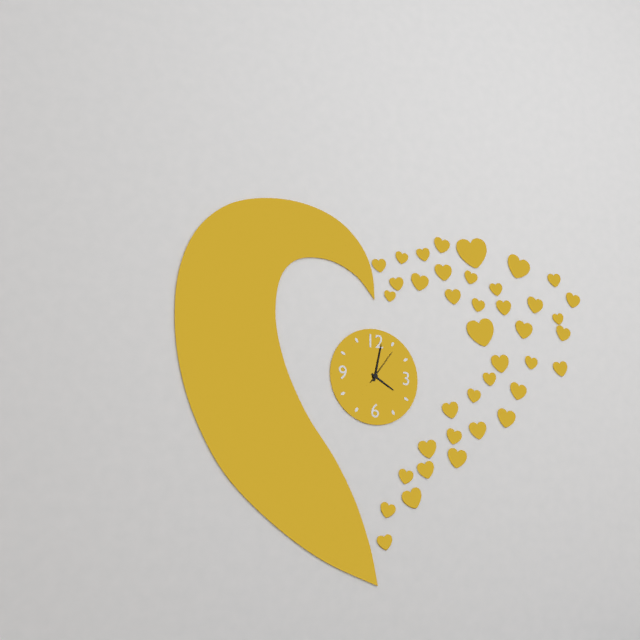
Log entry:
4 h 02 min
